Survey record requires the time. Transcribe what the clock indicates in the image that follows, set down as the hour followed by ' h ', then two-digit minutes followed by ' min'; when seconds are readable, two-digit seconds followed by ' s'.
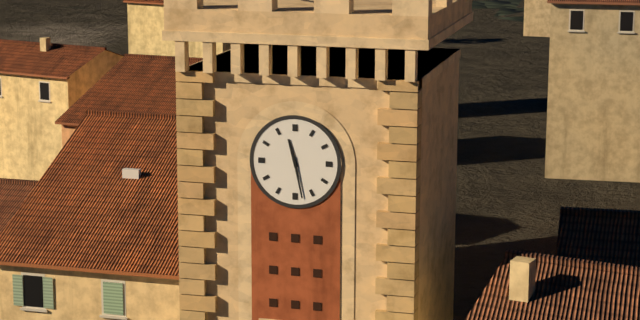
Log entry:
11 h 28 min
